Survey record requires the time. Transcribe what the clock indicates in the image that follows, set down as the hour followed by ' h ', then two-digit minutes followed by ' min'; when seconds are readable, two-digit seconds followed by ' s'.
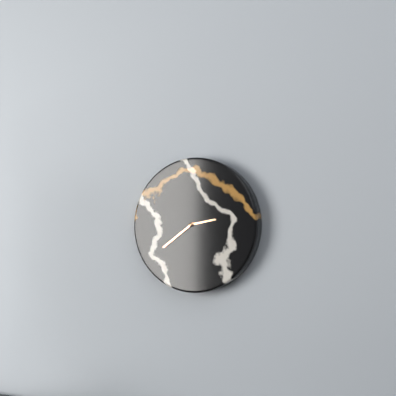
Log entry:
2 h 39 min
